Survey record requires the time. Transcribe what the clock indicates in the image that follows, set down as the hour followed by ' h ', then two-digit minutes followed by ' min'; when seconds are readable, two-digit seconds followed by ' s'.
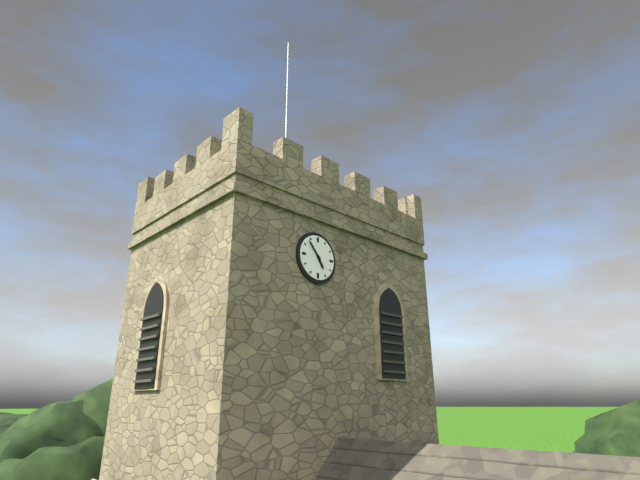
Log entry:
4 h 53 min
